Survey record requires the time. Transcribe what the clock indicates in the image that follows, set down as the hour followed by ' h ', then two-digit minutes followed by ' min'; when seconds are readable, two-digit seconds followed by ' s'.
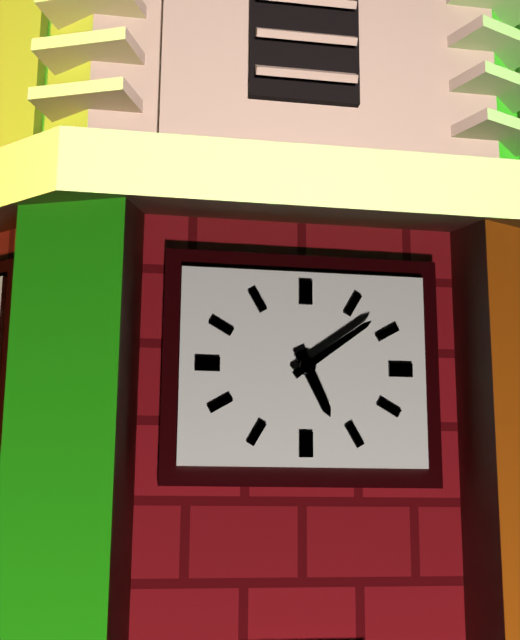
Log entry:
5 h 09 min
